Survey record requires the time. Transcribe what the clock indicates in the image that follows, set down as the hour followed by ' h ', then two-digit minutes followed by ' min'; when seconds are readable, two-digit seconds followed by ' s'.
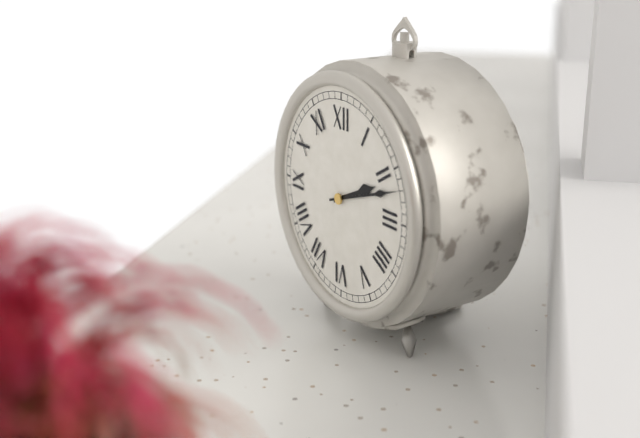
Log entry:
2 h 12 min
